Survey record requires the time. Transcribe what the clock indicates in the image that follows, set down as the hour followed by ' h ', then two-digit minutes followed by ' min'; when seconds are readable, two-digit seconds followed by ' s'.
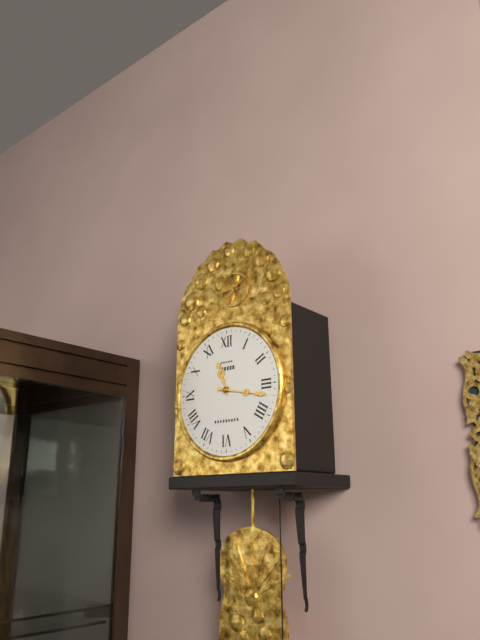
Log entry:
11 h 17 min
